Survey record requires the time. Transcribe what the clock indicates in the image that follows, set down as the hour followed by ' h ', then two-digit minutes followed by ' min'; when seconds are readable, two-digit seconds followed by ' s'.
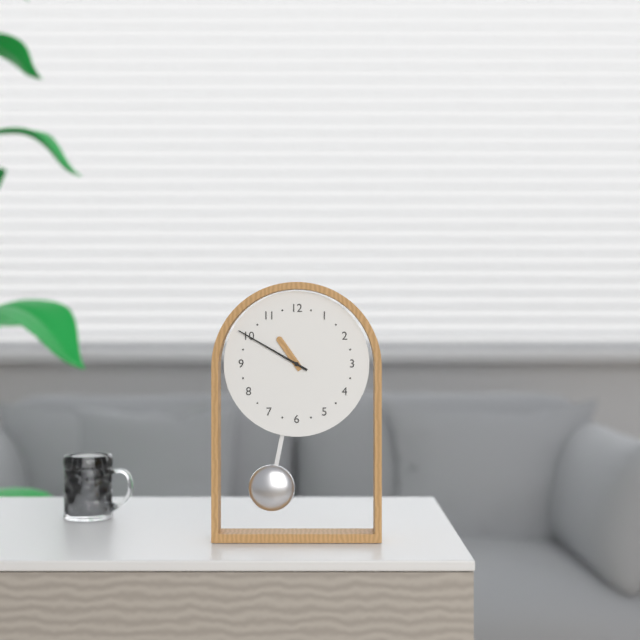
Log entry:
10 h 50 min
